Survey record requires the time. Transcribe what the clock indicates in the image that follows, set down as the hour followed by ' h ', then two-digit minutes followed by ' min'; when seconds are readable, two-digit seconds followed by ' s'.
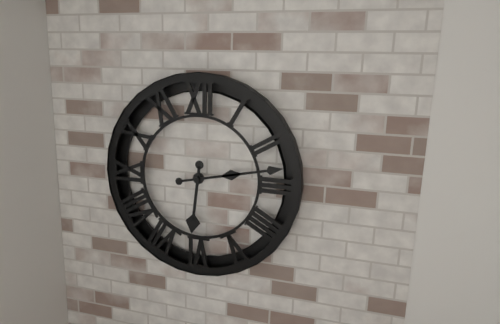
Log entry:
6 h 13 min
